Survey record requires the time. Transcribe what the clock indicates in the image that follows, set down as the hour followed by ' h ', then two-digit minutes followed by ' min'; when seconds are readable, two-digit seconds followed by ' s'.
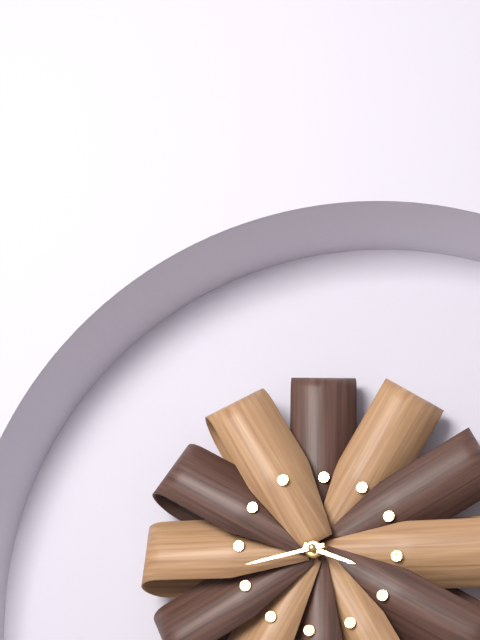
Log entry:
3 h 43 min
